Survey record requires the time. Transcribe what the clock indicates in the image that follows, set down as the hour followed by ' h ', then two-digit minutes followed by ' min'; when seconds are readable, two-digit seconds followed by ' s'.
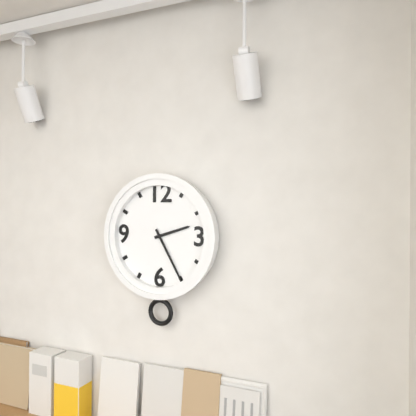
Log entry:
2 h 25 min
